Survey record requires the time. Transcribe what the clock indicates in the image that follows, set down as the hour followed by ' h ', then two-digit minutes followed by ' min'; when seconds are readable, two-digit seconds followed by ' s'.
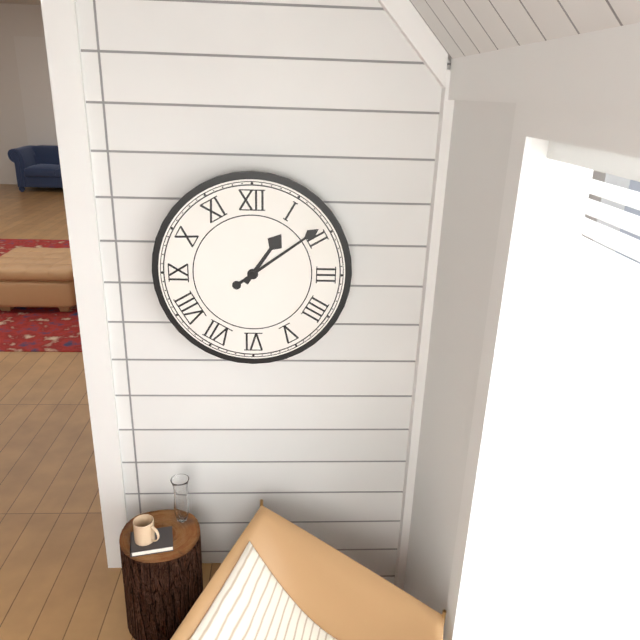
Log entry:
1 h 09 min
